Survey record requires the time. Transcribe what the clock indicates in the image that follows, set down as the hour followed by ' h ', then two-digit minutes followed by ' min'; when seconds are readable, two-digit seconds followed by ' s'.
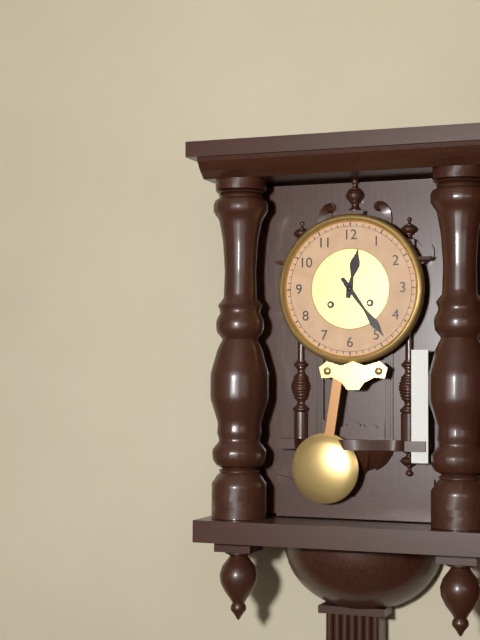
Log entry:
12 h 24 min
